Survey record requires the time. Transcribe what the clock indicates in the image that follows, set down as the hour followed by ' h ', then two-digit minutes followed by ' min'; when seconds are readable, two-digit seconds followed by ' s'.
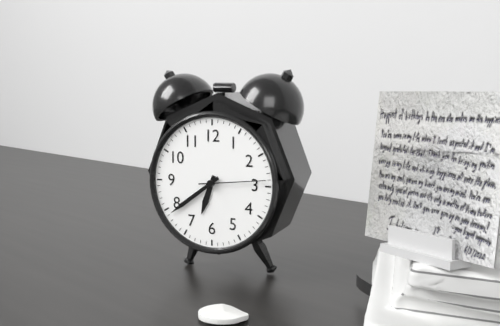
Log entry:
6 h 39 min 14 s
